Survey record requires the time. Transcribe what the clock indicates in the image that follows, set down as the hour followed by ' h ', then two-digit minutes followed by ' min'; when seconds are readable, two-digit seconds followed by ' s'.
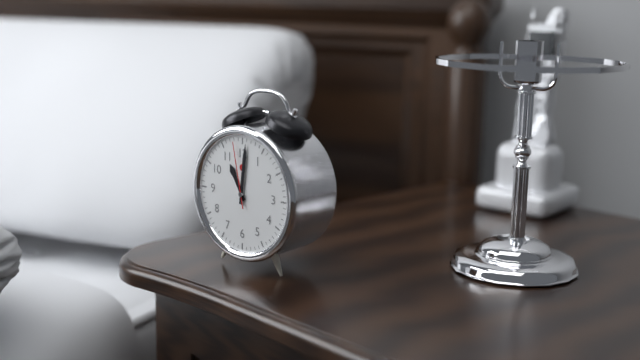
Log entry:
11 h 01 min 58 s
